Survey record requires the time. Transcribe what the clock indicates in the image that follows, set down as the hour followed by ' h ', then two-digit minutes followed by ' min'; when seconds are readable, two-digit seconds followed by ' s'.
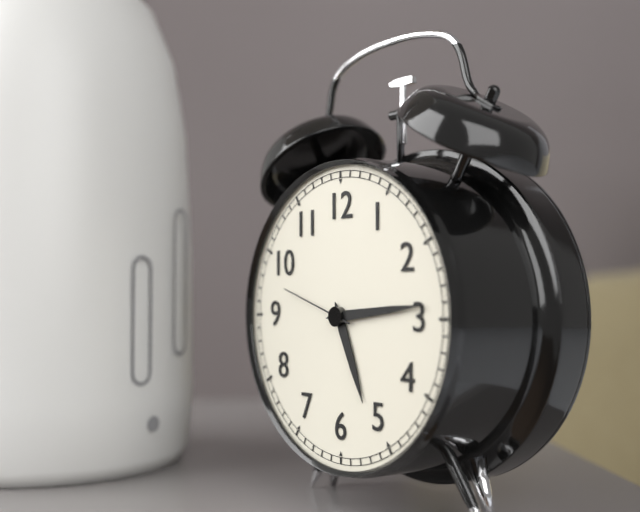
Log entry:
5 h 14 min 48 s
